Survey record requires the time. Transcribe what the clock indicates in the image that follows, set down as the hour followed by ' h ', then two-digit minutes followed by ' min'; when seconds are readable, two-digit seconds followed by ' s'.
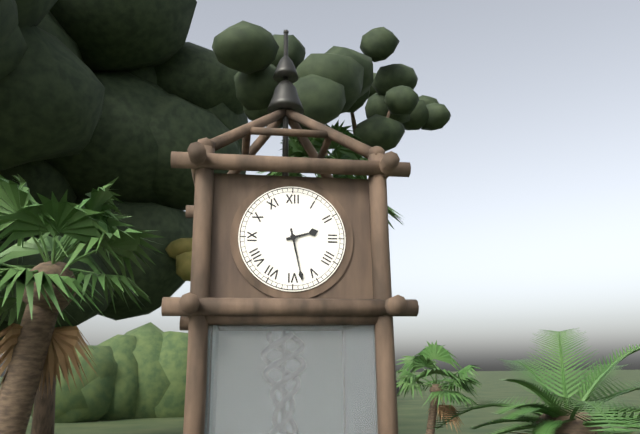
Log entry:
2 h 28 min
